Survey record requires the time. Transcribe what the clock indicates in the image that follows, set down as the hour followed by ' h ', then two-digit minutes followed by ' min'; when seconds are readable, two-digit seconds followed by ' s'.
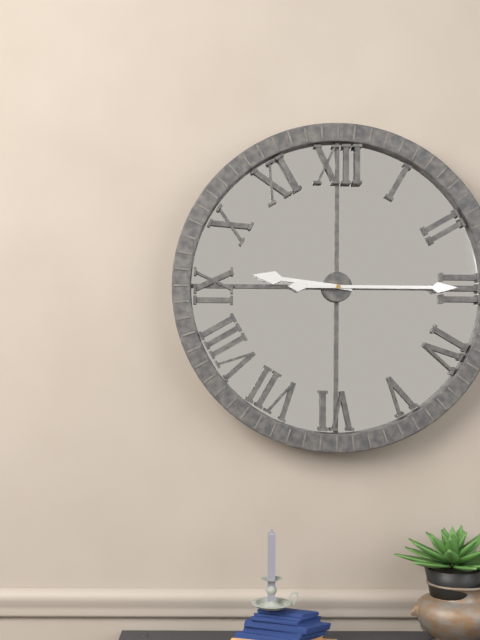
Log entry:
9 h 15 min
